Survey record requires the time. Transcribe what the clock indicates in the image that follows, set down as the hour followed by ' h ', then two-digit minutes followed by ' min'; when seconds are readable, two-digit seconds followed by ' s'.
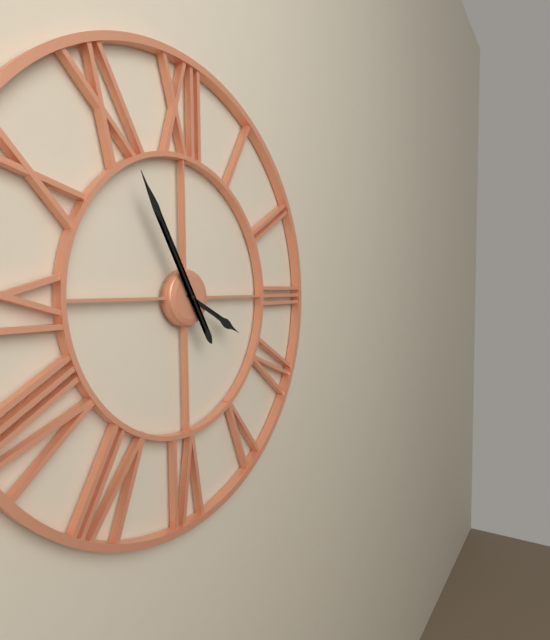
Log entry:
3 h 55 min
